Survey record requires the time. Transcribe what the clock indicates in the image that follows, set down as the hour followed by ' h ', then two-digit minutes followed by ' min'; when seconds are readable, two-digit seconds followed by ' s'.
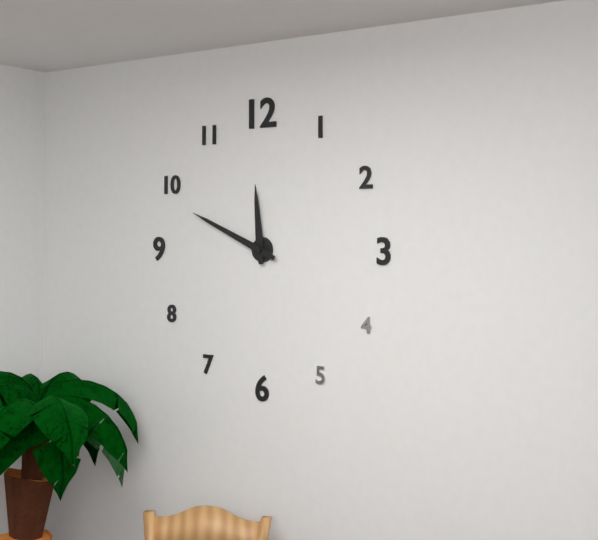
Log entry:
11 h 49 min
